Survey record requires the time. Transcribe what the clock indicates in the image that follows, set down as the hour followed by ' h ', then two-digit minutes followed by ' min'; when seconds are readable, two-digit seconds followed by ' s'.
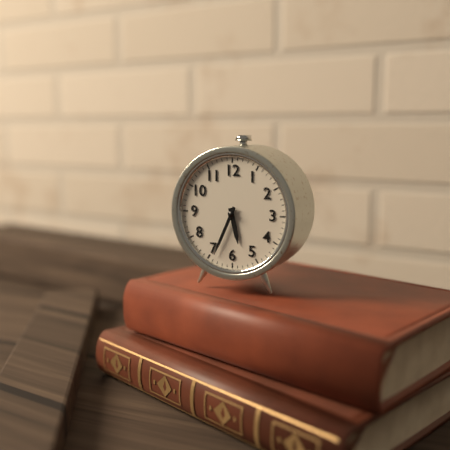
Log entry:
5 h 34 min
